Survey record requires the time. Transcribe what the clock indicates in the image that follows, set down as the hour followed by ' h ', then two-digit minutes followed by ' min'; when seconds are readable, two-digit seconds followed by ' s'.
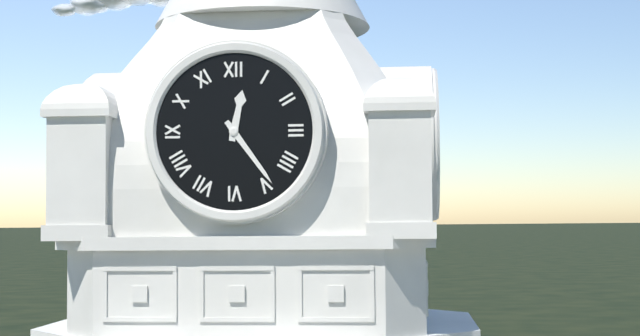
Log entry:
12 h 24 min
